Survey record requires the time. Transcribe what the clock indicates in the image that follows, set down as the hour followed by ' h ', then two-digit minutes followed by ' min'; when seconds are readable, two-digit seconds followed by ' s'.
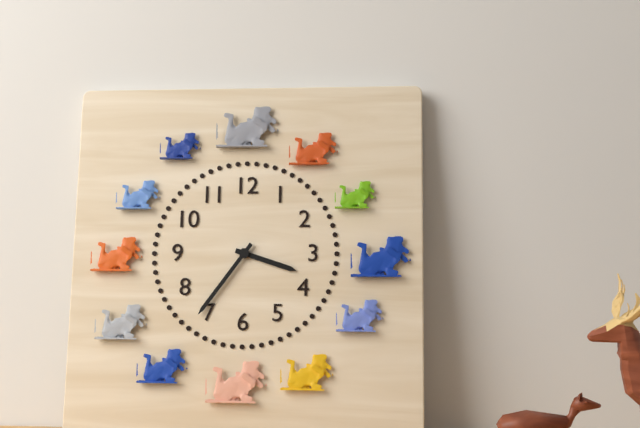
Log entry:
3 h 36 min
